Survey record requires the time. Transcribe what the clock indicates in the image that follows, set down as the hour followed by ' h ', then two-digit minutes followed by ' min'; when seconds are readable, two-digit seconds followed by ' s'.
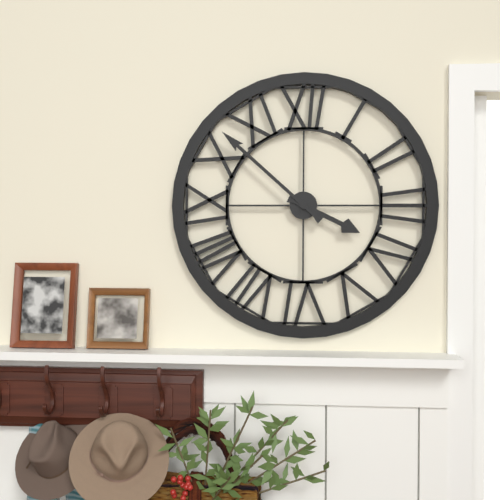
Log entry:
3 h 52 min
